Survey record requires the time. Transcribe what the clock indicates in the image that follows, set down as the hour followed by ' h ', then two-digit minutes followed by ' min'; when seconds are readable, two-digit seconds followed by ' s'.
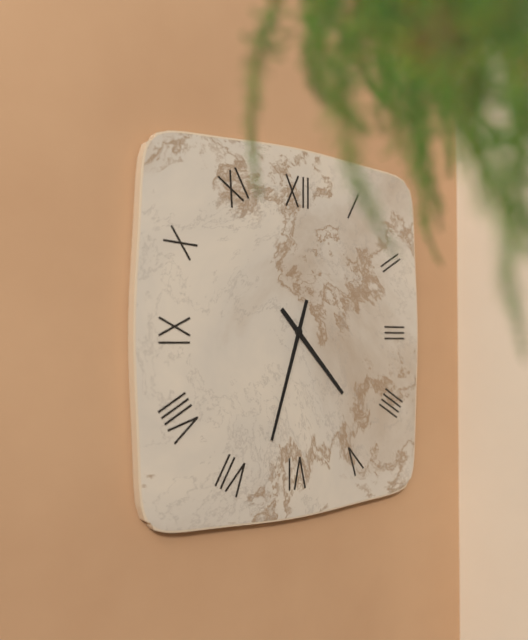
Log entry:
4 h 33 min
